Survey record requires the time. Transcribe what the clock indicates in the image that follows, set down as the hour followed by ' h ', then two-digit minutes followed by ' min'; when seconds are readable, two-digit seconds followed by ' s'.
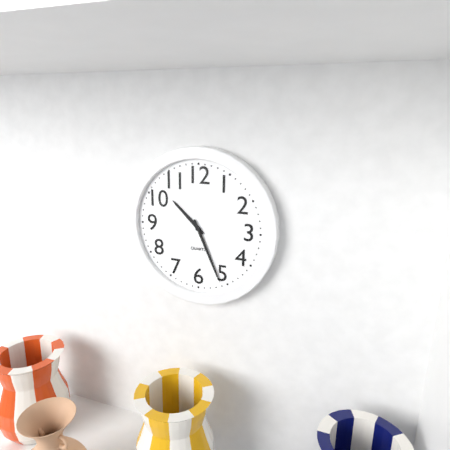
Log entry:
10 h 26 min
